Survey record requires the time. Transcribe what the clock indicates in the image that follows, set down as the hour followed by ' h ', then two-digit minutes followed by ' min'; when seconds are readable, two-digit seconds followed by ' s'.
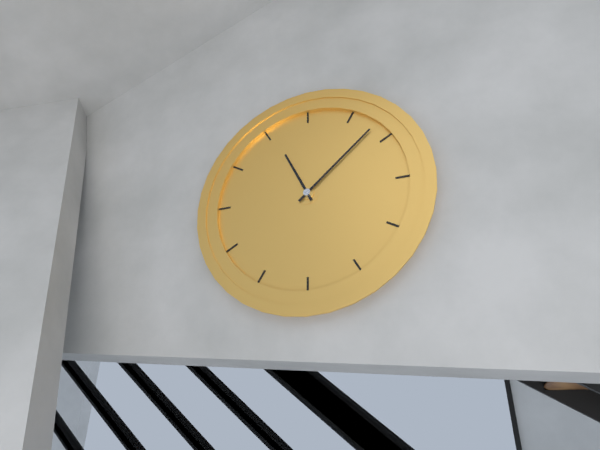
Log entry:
11 h 08 min
